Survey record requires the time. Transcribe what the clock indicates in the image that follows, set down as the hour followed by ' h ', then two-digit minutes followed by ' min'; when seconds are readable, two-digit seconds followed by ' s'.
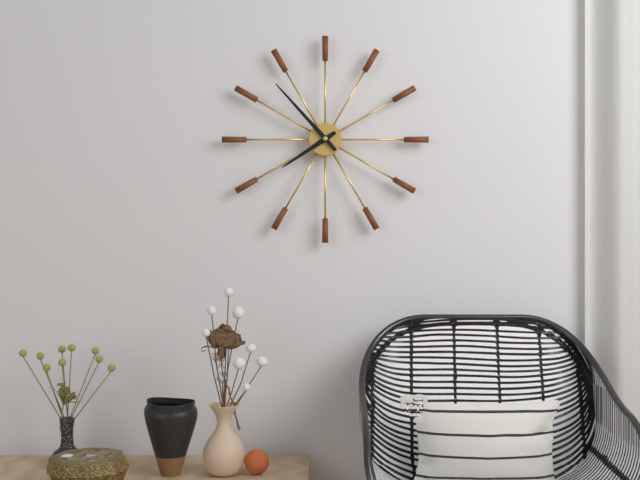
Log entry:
7 h 53 min
